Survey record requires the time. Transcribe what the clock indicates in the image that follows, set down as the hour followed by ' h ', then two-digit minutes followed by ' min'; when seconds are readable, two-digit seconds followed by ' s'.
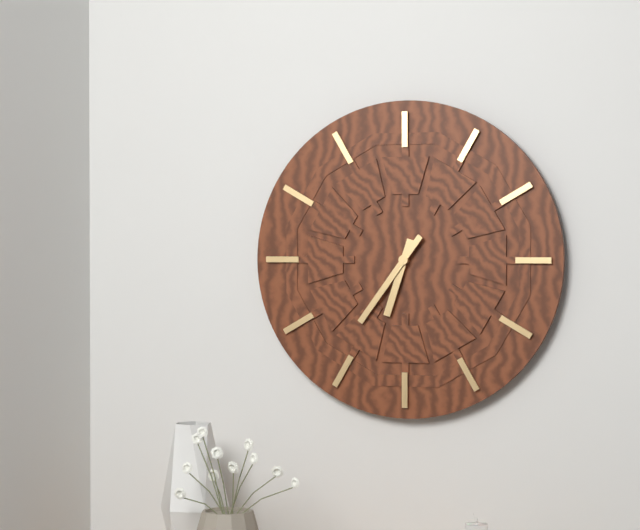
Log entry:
6 h 36 min
